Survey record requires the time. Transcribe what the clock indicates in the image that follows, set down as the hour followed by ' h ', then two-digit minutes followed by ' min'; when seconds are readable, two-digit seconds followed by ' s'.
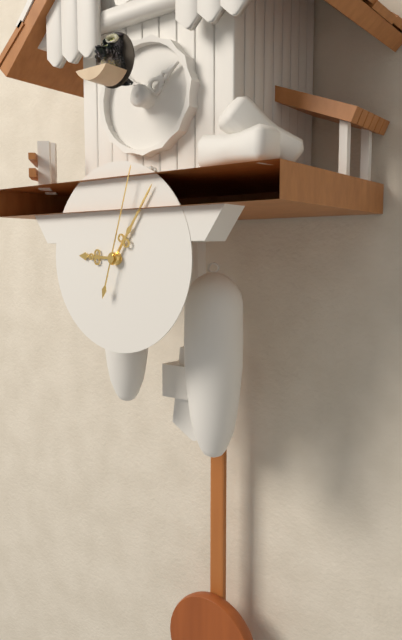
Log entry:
9 h 06 min 03 s
